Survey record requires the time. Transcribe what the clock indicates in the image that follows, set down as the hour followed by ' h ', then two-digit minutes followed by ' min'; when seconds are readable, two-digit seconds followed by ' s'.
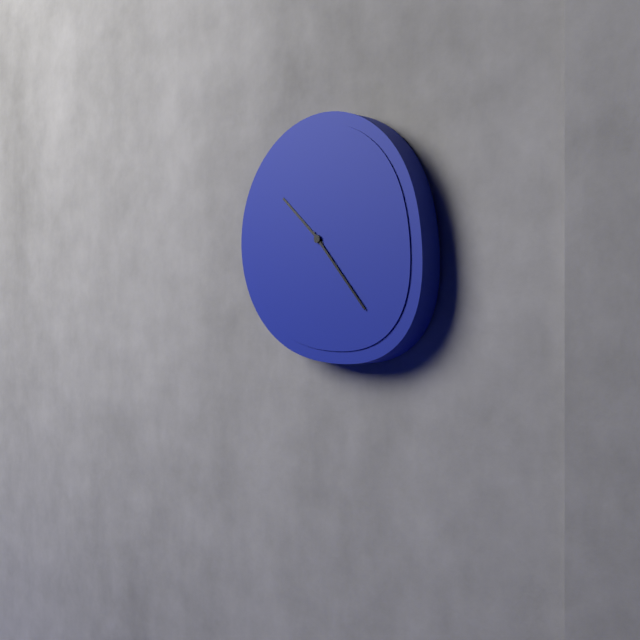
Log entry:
10 h 23 min
